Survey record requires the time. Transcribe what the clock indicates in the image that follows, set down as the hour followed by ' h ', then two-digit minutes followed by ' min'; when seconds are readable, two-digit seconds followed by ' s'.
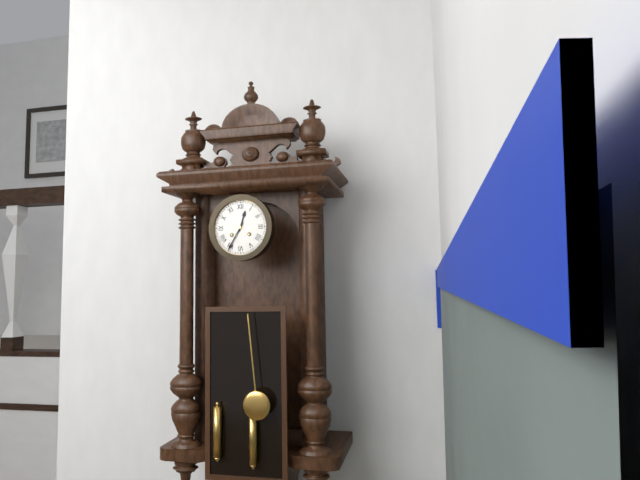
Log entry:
12 h 35 min
